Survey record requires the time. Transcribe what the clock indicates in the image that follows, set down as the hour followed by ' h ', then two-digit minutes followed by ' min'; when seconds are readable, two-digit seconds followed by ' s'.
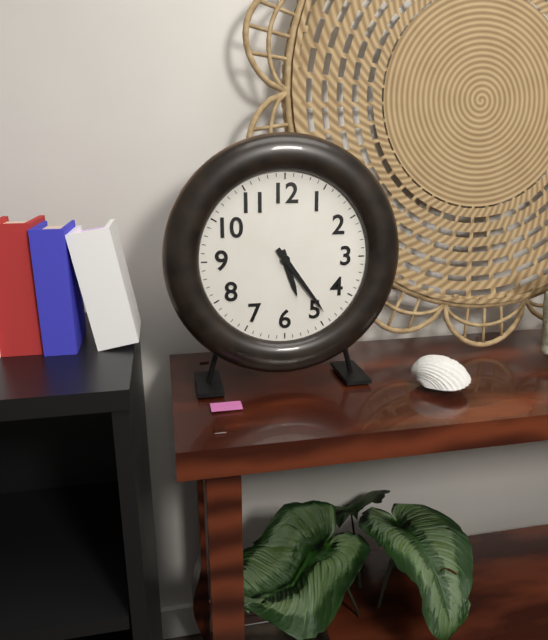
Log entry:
5 h 24 min
